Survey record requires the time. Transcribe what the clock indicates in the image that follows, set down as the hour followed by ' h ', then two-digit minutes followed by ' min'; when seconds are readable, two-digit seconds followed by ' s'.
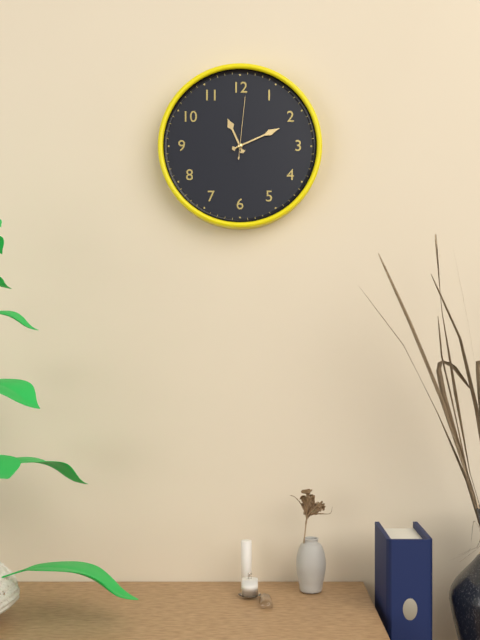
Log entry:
11 h 11 min 01 s
